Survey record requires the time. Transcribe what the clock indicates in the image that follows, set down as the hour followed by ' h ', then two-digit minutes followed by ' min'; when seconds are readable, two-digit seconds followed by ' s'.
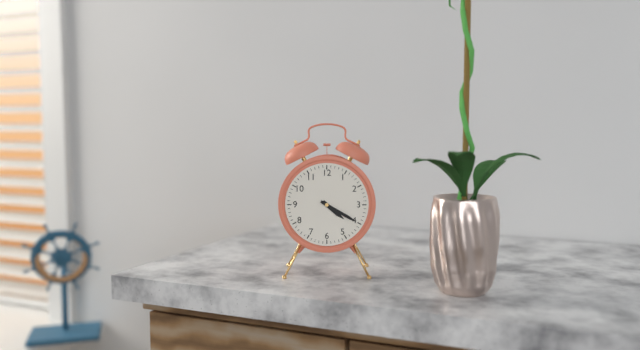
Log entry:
4 h 20 min
